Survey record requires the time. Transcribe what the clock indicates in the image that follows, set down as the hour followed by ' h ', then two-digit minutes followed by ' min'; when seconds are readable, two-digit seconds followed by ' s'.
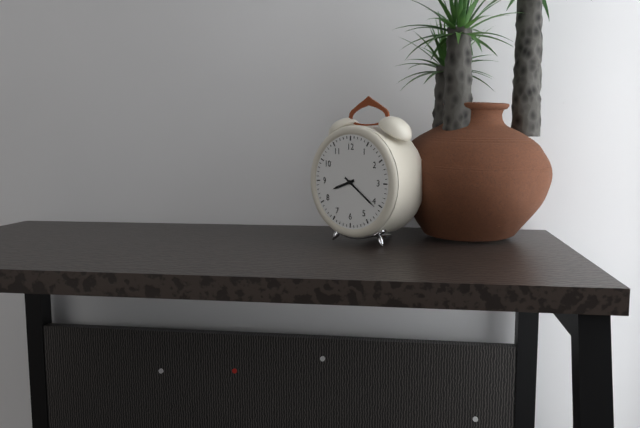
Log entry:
8 h 21 min
